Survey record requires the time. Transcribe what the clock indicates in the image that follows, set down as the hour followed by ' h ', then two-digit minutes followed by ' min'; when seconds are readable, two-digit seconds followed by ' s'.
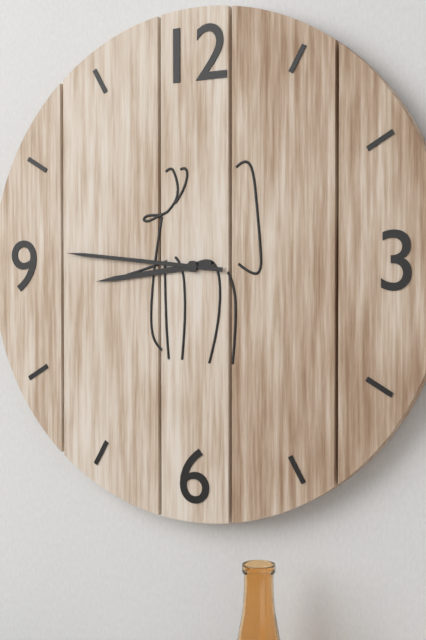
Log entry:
8 h 46 min
